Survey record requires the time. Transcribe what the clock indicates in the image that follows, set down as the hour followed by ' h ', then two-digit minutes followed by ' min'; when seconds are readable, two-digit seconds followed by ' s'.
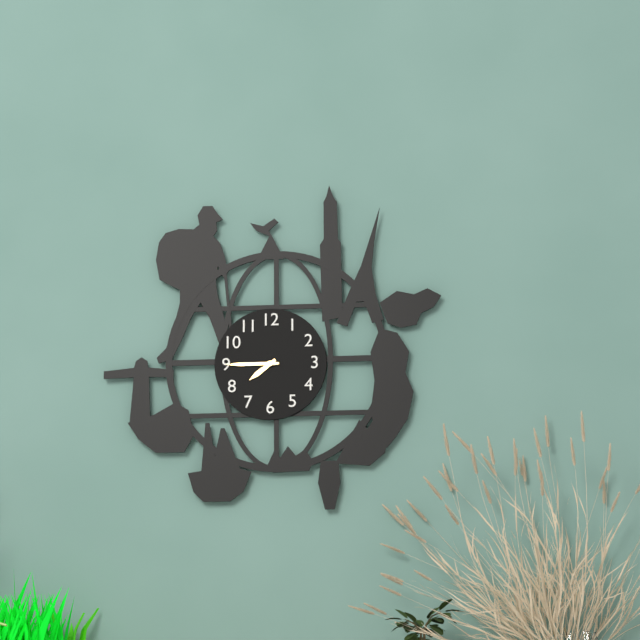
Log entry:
7 h 45 min
